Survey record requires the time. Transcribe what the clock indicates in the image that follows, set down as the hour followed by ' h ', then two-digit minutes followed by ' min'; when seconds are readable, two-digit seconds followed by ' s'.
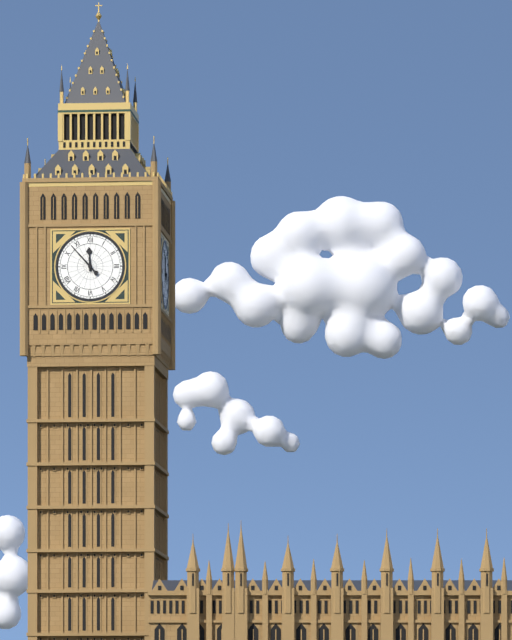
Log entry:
11 h 53 min
